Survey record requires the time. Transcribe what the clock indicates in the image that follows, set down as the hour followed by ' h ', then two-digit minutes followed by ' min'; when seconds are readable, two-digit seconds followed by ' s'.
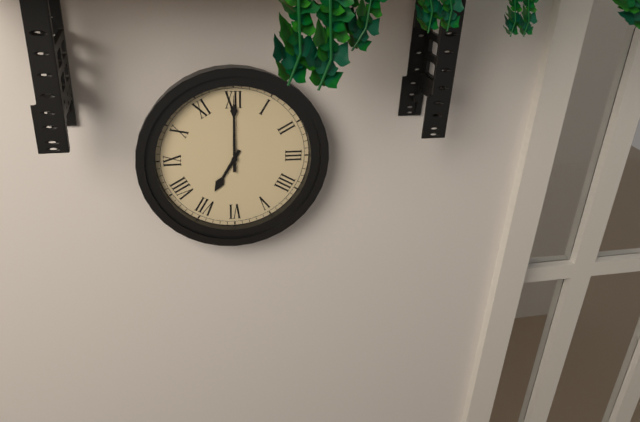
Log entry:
7 h 00 min
